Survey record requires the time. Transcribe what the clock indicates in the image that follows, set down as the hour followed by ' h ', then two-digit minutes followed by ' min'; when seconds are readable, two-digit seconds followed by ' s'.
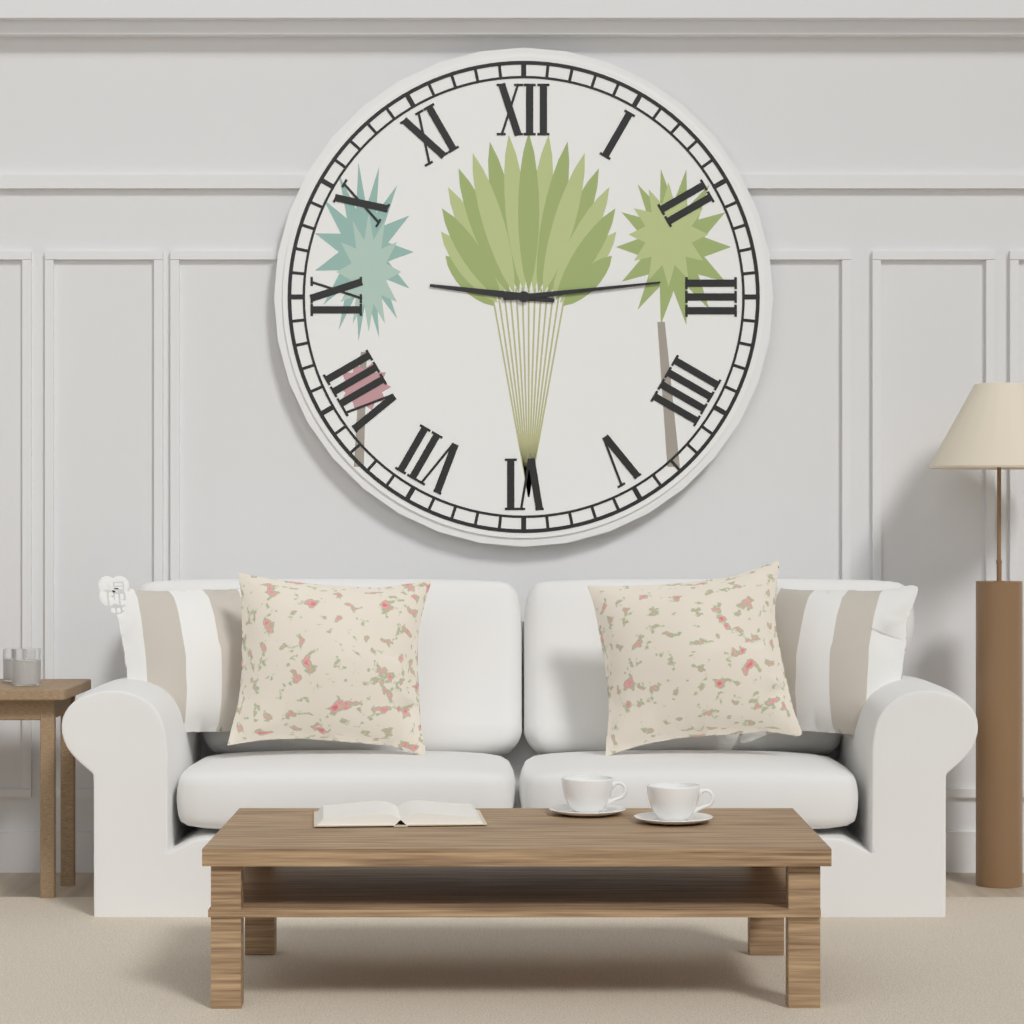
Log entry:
9 h 14 min
